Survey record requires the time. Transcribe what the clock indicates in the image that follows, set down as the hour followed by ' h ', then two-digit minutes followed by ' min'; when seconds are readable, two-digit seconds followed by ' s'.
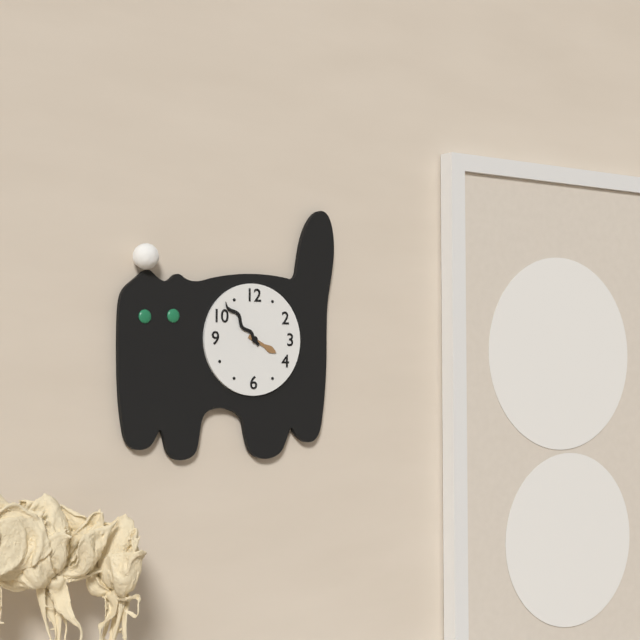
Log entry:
3 h 53 min
